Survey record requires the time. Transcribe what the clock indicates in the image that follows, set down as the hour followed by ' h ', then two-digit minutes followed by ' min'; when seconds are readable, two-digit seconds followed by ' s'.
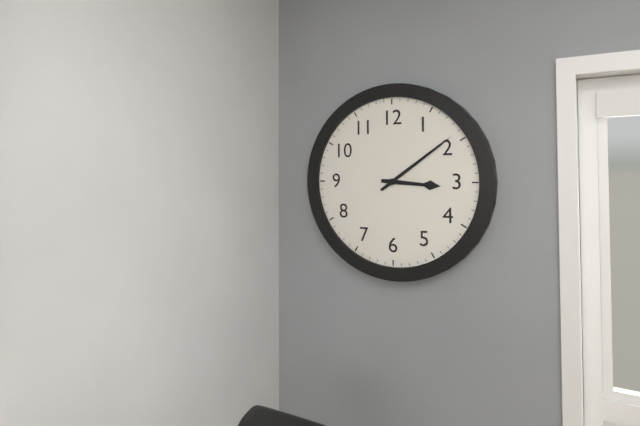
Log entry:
3 h 09 min
